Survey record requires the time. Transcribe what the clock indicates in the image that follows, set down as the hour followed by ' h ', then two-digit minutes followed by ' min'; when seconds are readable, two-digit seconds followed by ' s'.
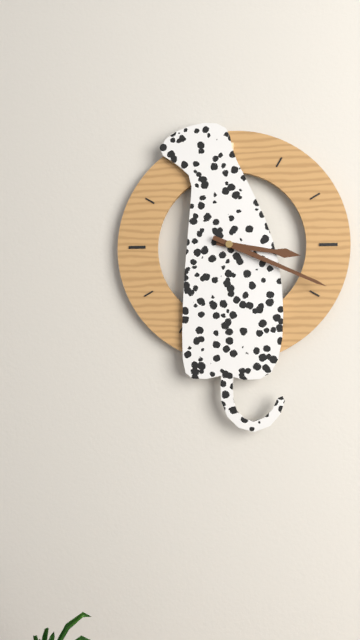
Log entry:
3 h 19 min
